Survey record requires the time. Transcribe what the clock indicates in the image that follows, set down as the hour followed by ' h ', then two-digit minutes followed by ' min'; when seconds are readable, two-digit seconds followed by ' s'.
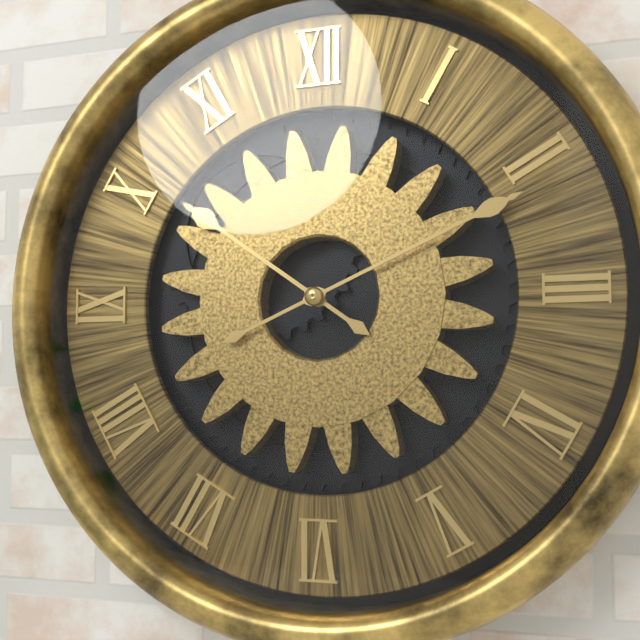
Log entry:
10 h 11 min
